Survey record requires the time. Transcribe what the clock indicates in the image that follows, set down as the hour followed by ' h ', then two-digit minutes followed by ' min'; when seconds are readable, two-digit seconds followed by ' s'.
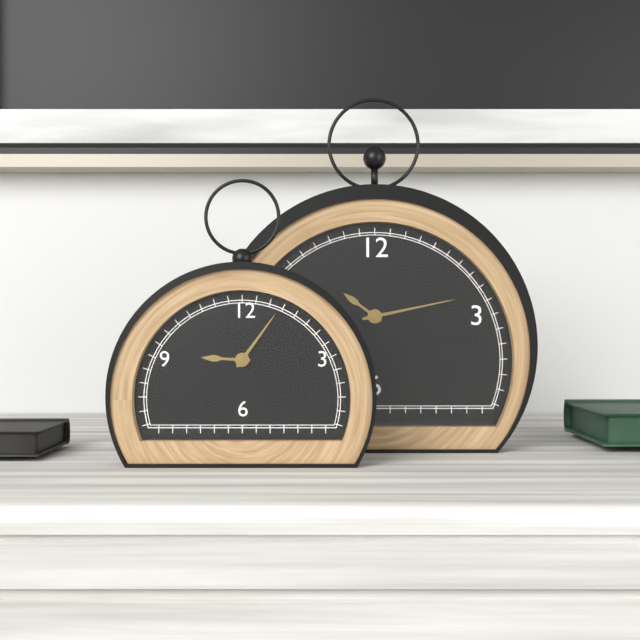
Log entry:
9 h 06 min
